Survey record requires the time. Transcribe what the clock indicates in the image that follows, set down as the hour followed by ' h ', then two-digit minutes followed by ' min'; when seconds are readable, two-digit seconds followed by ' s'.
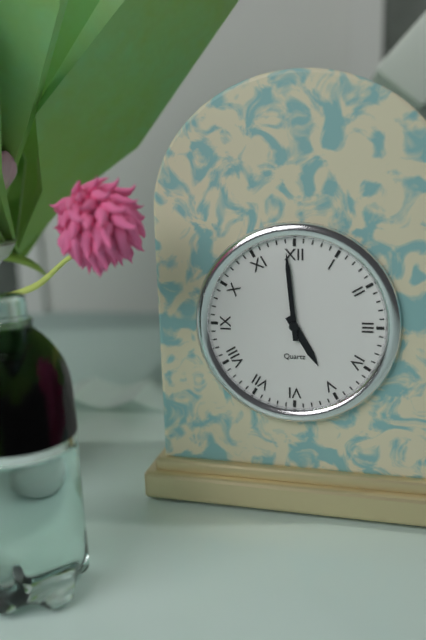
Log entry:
4 h 59 min
